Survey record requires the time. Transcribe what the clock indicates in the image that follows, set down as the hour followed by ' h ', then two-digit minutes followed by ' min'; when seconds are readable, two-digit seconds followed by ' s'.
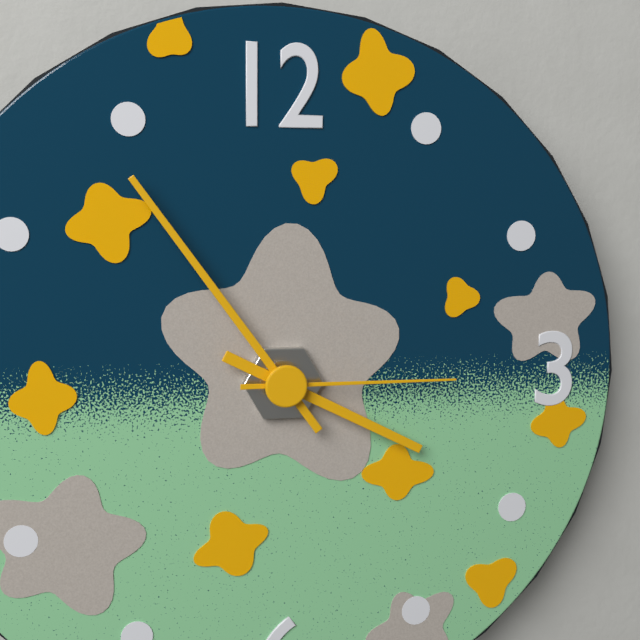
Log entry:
3 h 54 min 15 s
